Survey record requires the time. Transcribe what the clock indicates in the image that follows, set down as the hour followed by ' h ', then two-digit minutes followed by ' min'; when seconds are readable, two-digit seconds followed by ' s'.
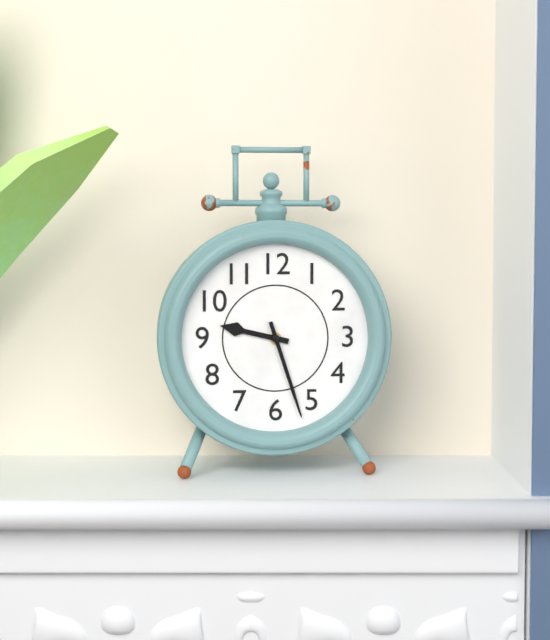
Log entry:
9 h 27 min
